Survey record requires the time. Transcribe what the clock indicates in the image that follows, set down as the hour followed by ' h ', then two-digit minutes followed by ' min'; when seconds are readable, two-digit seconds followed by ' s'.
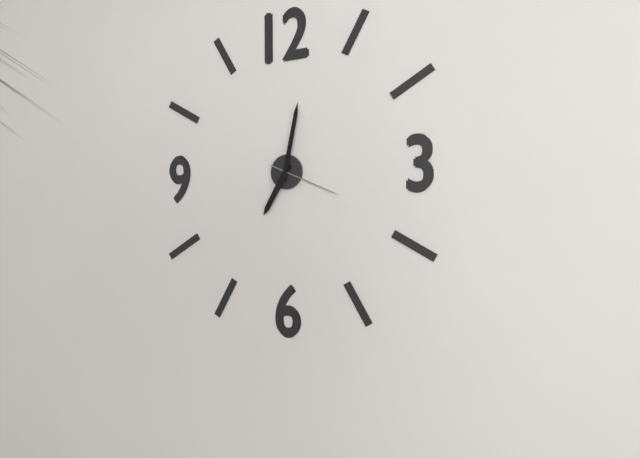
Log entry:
7 h 02 min 19 s
